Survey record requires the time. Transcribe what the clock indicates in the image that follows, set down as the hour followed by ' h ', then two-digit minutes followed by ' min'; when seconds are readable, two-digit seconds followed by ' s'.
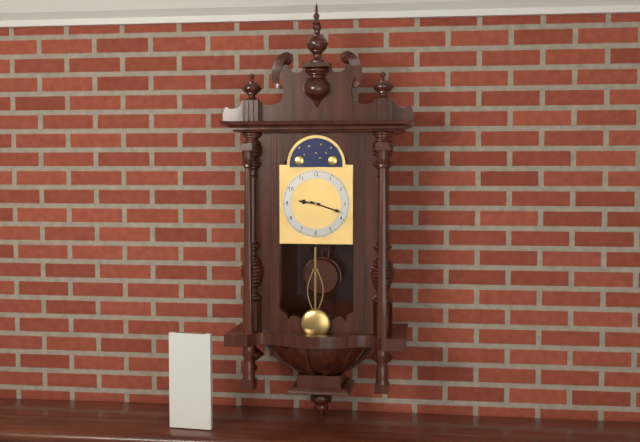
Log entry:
9 h 18 min
